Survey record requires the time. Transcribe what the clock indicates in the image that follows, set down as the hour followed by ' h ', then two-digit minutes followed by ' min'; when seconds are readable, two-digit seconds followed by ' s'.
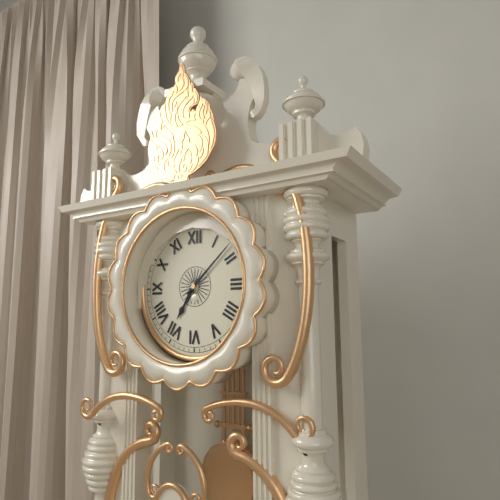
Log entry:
7 h 08 min
